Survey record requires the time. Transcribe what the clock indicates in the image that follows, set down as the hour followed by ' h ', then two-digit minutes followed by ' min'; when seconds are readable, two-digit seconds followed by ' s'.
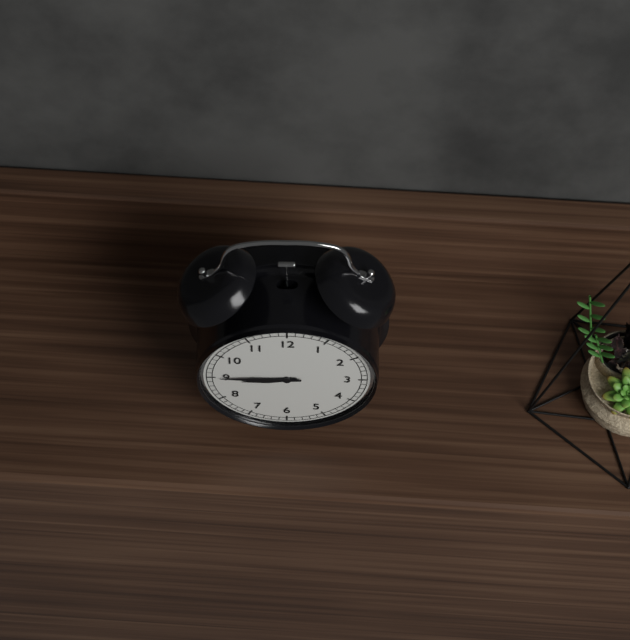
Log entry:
8 h 45 min
